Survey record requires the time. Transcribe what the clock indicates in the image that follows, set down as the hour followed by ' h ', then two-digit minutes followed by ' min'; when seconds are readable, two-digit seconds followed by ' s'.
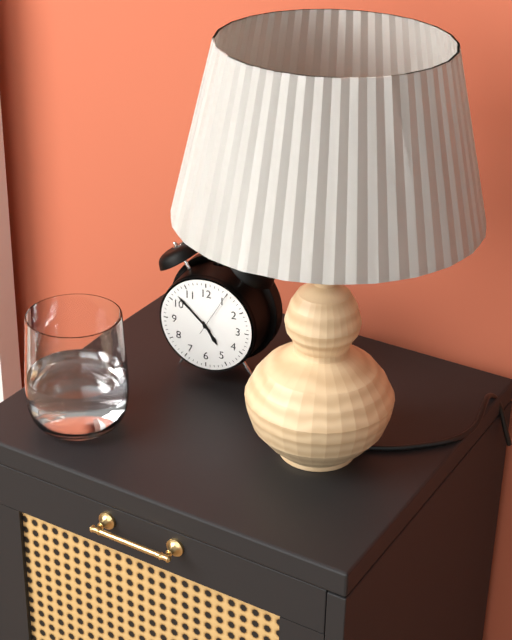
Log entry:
4 h 52 min
